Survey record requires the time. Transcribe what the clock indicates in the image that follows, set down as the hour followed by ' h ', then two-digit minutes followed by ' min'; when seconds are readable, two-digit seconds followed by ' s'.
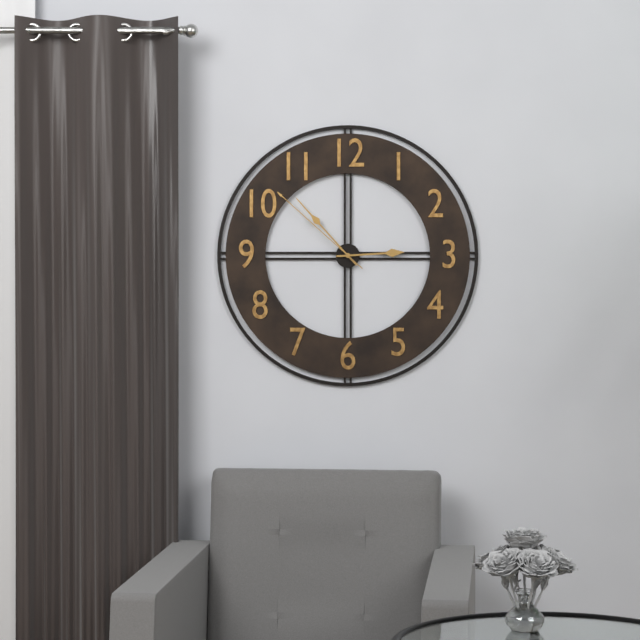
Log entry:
2 h 53 min 52 s
